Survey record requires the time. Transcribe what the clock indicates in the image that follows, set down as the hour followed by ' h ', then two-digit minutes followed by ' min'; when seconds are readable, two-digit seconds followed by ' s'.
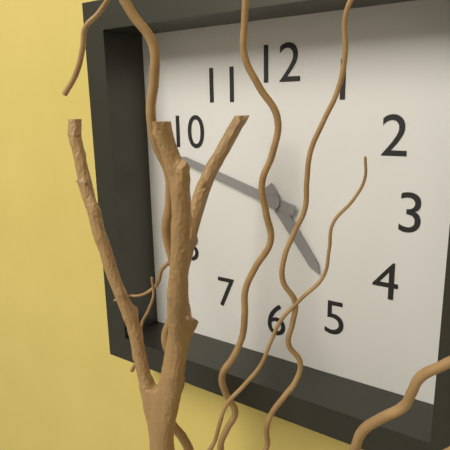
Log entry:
4 h 48 min
